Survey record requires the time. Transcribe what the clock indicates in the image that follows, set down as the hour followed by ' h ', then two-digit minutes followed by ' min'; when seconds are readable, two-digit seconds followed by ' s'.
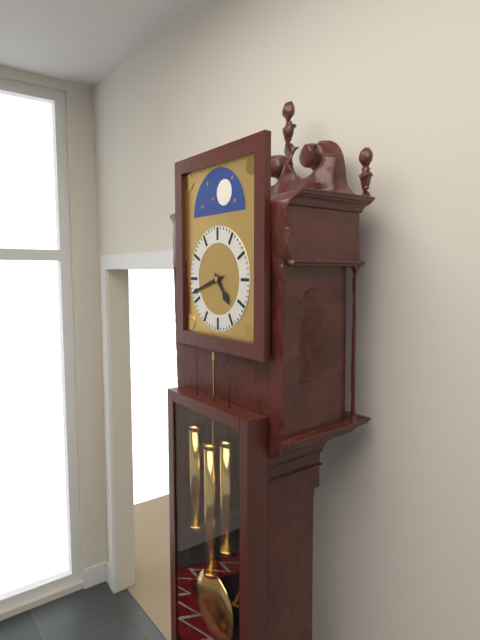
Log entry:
4 h 42 min
